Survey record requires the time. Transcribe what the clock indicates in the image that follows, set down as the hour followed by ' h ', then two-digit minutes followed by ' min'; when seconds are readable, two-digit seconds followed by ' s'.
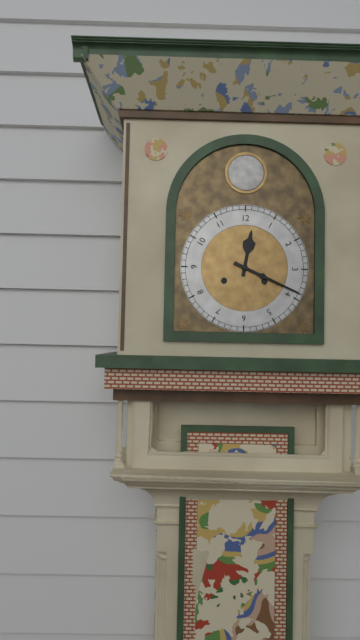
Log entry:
12 h 19 min
